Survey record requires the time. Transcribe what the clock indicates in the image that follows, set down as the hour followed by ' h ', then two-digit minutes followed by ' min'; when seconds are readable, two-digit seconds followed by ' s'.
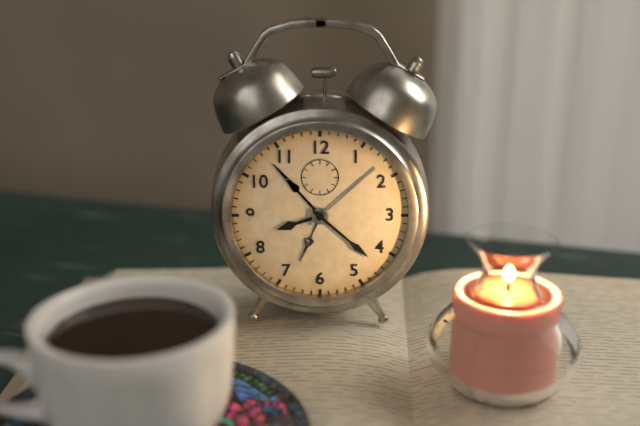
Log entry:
8 h 22 min
